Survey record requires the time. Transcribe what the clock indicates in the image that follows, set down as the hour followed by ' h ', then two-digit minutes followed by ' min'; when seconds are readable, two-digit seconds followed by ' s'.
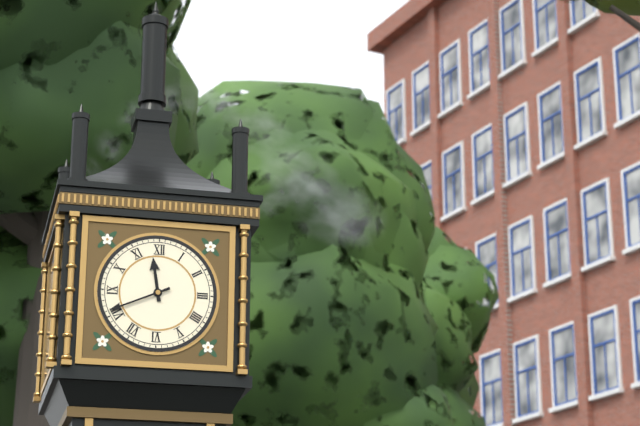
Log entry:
11 h 41 min
